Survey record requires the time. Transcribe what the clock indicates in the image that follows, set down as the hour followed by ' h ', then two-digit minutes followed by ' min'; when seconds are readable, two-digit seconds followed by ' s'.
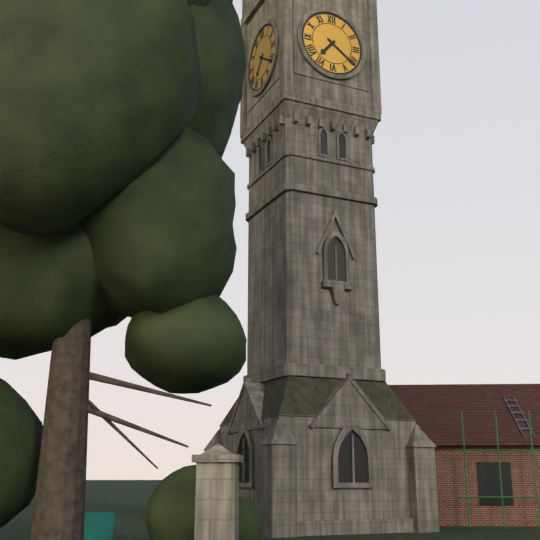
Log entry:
7 h 21 min
